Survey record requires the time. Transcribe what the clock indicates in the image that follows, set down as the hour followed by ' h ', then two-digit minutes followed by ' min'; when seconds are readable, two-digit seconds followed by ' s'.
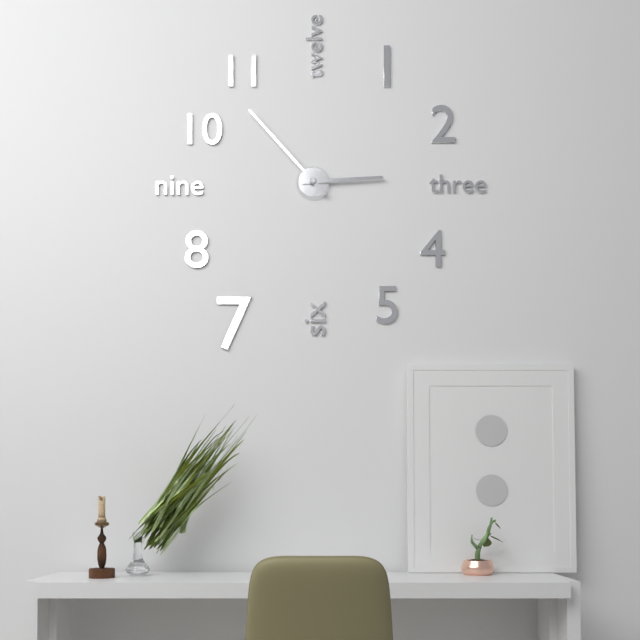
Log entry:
2 h 53 min
